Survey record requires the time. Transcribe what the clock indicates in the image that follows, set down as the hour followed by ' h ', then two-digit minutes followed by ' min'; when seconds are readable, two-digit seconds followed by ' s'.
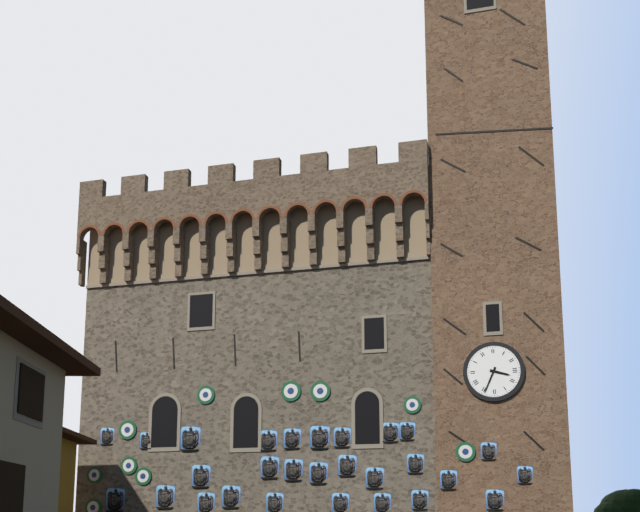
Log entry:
3 h 34 min
